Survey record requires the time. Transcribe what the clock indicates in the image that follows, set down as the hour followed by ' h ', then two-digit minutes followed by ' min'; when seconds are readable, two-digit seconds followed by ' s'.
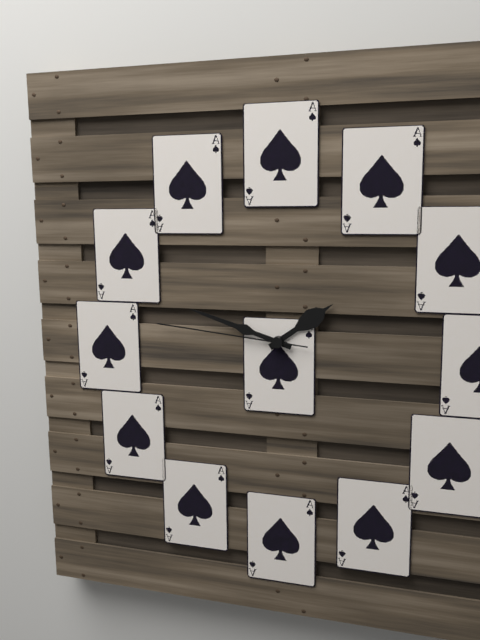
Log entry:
1 h 48 min 46 s
